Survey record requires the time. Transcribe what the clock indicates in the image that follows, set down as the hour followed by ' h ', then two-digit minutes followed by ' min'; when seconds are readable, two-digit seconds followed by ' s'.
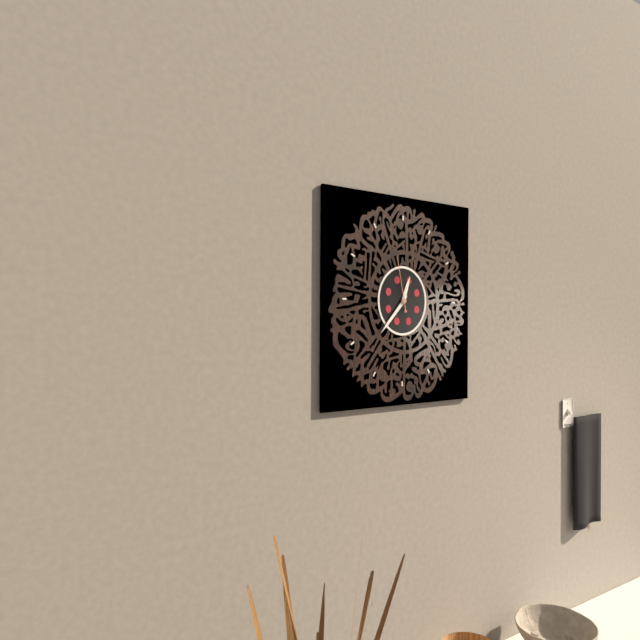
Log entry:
12 h 37 min 58 s
